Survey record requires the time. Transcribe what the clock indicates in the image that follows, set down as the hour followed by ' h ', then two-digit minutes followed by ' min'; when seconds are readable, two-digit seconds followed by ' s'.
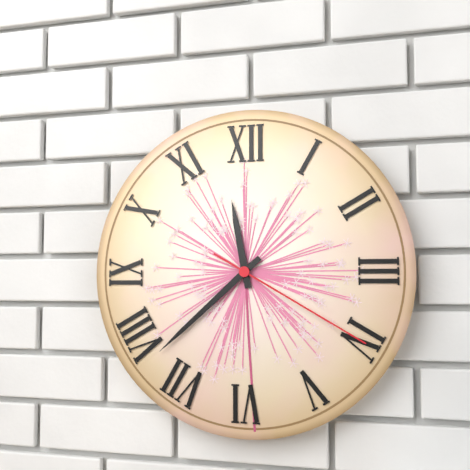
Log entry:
11 h 38 min 20 s
